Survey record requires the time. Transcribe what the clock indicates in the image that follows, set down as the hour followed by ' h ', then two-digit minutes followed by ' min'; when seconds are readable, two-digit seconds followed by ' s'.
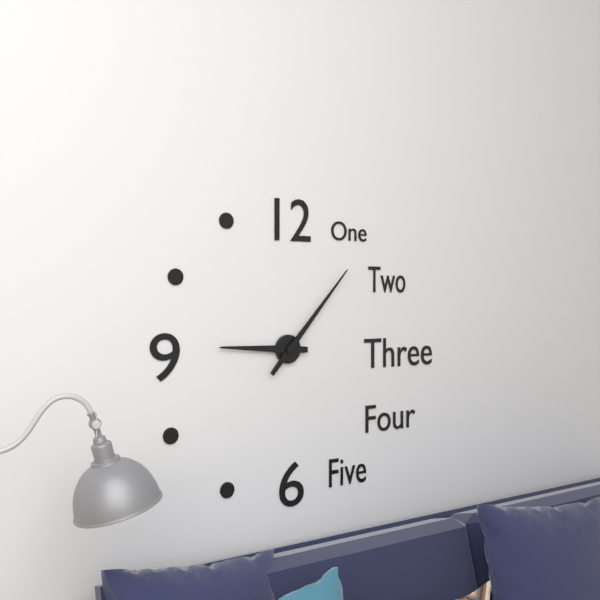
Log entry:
9 h 07 min
